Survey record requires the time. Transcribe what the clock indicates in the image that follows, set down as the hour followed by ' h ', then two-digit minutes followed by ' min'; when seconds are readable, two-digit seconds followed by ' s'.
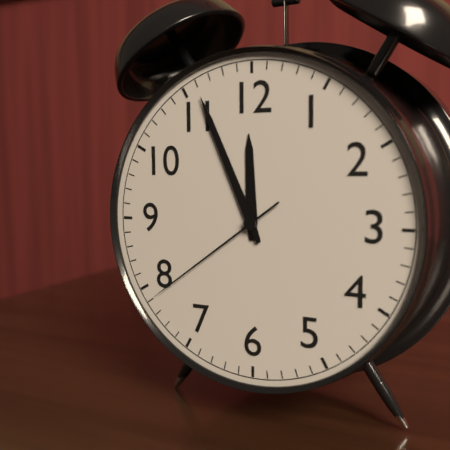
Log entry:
11 h 56 min 39 s
